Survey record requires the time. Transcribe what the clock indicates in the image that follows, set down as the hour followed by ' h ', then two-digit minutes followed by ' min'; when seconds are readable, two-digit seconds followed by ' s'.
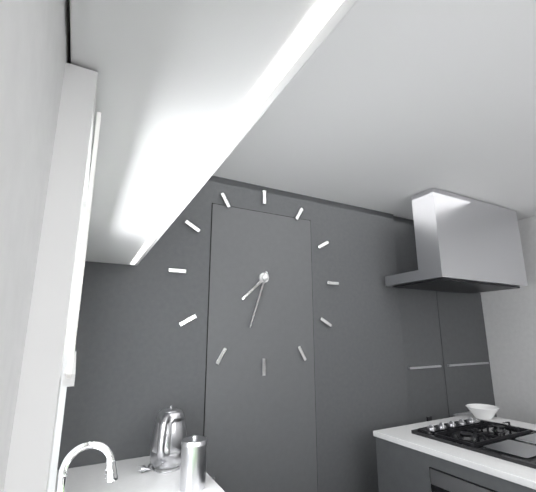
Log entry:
7 h 33 min
